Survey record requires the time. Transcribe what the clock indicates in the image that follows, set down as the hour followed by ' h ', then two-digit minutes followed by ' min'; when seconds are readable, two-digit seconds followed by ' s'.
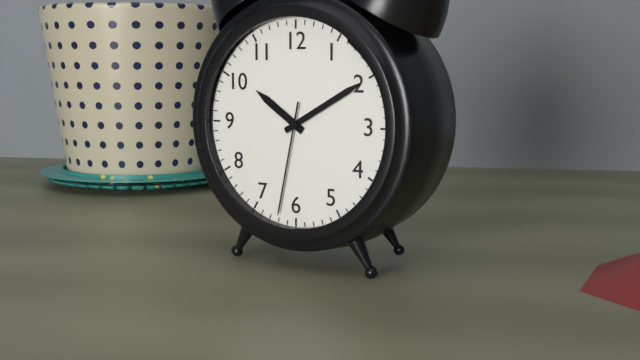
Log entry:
10 h 10 min 32 s
